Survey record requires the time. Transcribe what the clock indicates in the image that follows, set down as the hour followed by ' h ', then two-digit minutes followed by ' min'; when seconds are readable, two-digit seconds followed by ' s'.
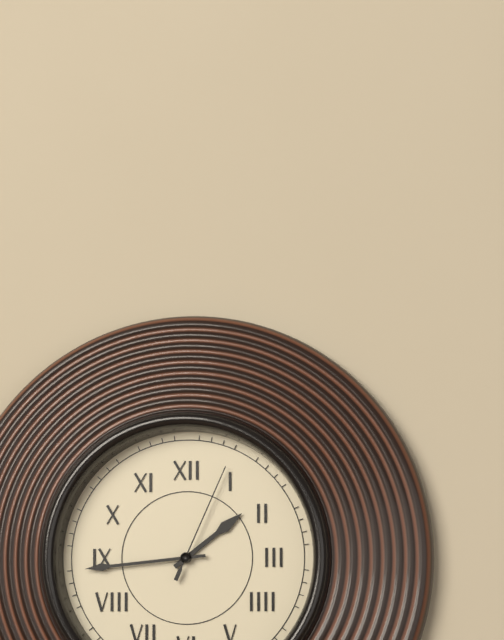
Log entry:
1 h 44 min 04 s
